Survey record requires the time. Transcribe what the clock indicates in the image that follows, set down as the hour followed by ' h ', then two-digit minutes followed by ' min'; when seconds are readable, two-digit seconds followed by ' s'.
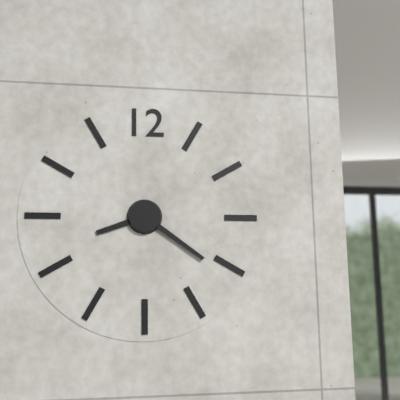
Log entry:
8 h 21 min
